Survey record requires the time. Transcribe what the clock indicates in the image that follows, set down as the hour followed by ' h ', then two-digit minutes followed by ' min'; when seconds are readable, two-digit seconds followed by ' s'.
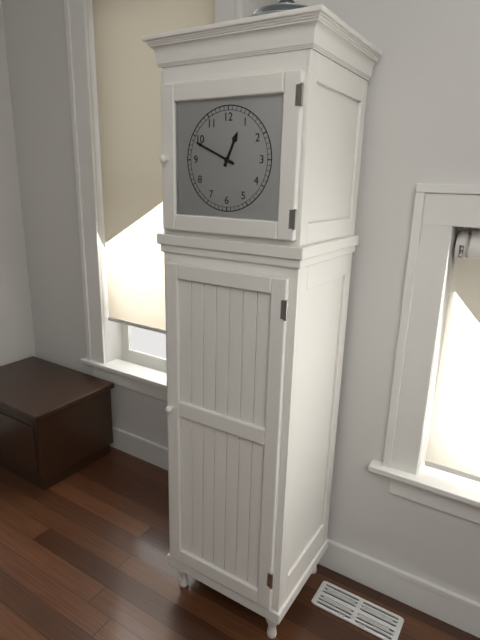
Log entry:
12 h 49 min
